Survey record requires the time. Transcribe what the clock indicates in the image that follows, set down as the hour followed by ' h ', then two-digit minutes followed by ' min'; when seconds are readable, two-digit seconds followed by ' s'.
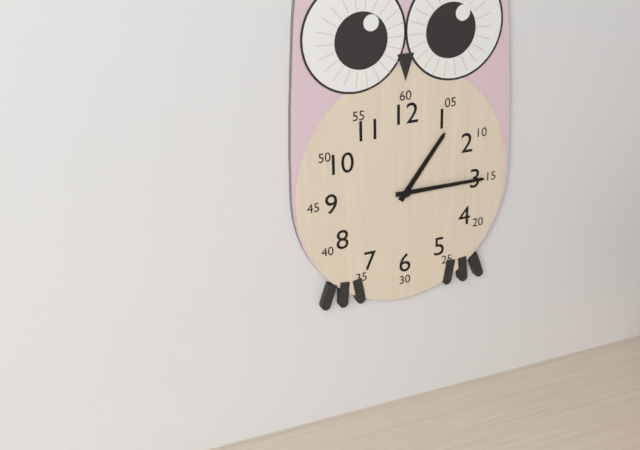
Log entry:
1 h 15 min
